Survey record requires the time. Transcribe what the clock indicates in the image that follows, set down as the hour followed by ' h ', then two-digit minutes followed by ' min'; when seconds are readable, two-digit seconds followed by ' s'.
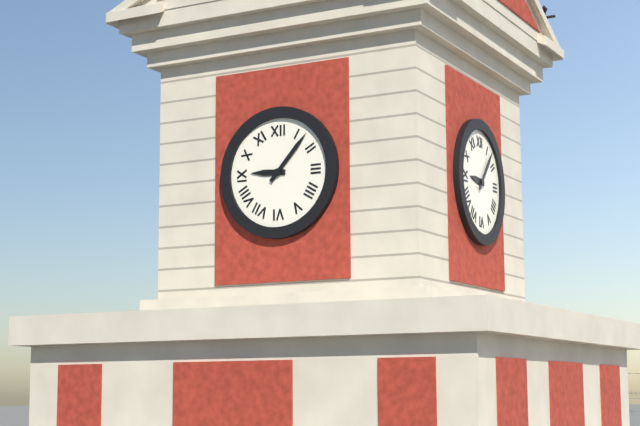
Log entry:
9 h 07 min
